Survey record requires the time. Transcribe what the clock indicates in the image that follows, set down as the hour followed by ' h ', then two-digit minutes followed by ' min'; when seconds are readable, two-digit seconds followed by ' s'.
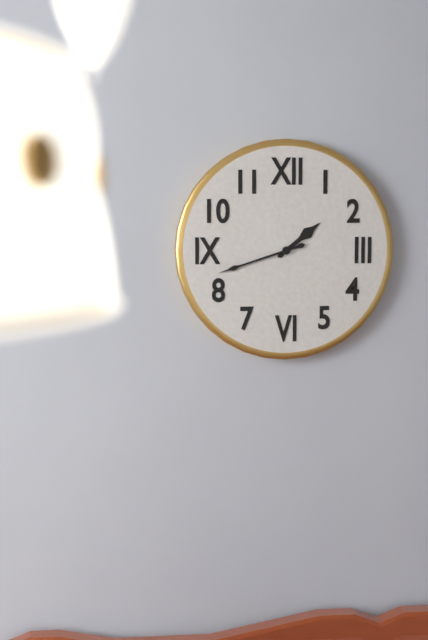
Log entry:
1 h 42 min
